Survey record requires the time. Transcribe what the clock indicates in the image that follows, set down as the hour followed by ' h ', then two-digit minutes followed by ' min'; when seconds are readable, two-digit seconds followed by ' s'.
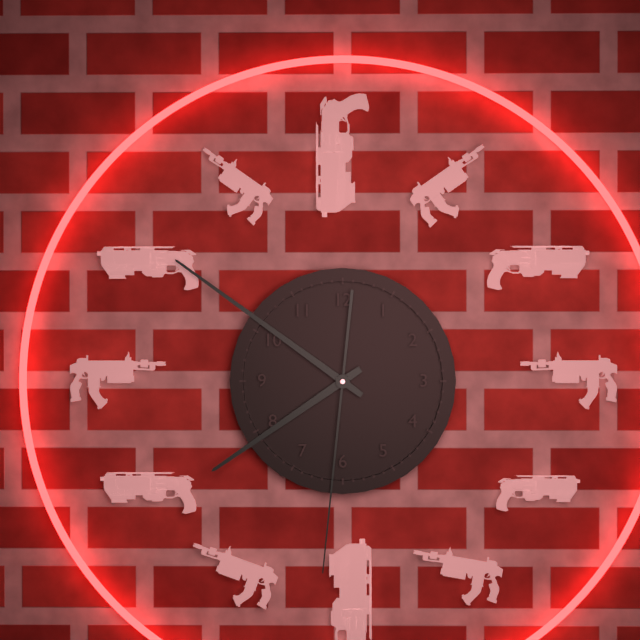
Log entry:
7 h 51 min 31 s
